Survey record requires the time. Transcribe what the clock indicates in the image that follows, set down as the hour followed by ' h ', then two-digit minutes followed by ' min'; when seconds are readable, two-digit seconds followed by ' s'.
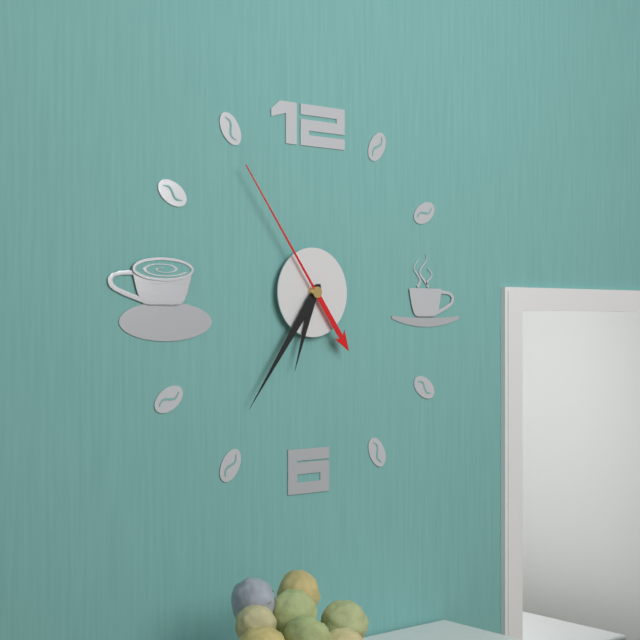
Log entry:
6 h 36 min 54 s
